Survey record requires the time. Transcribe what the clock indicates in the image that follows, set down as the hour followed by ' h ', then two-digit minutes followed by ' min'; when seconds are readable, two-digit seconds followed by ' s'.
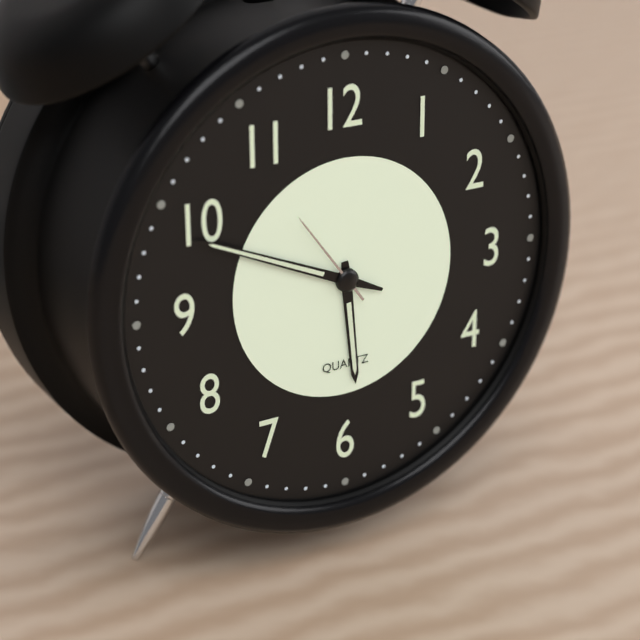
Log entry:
5 h 49 min 54 s
